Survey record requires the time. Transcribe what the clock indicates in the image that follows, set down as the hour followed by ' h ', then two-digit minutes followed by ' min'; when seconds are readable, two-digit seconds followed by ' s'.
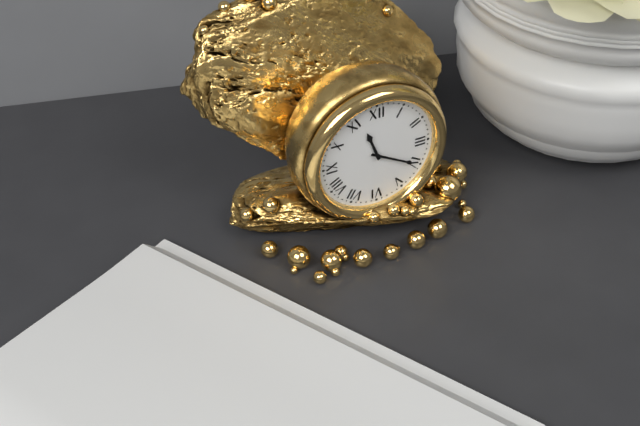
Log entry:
11 h 20 min
